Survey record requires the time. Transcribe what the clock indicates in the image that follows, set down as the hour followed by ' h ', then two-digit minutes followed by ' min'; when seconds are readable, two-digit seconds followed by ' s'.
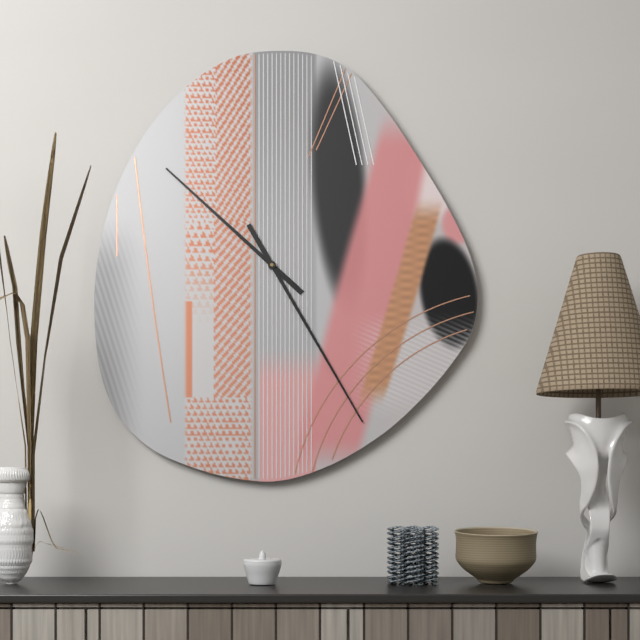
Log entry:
10 h 25 min
